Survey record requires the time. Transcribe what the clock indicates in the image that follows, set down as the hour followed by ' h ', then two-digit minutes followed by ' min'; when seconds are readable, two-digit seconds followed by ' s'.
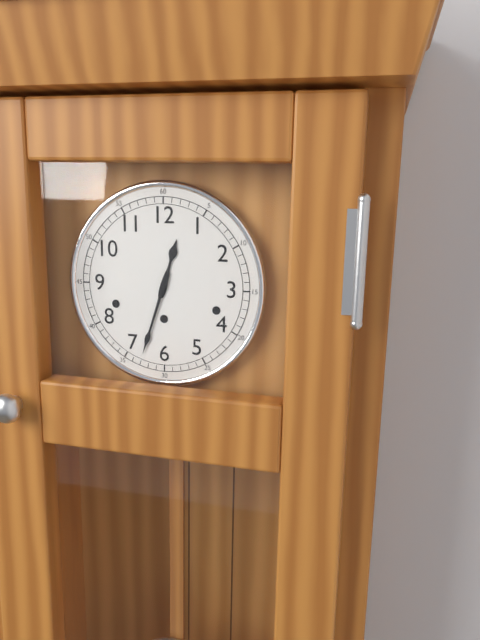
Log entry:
12 h 33 min
